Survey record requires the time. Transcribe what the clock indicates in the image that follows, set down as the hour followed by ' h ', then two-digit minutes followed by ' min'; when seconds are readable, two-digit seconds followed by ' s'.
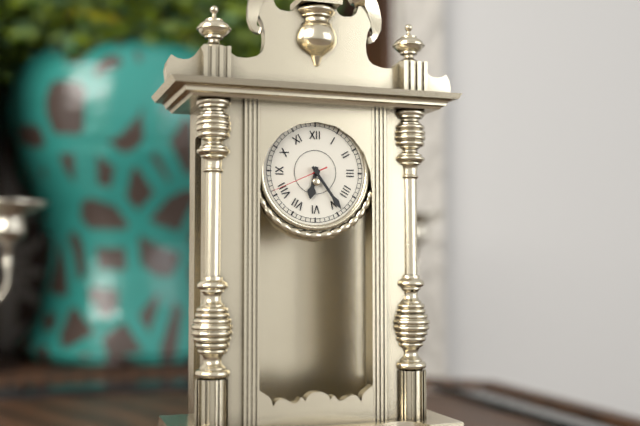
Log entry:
6 h 24 min 41 s
